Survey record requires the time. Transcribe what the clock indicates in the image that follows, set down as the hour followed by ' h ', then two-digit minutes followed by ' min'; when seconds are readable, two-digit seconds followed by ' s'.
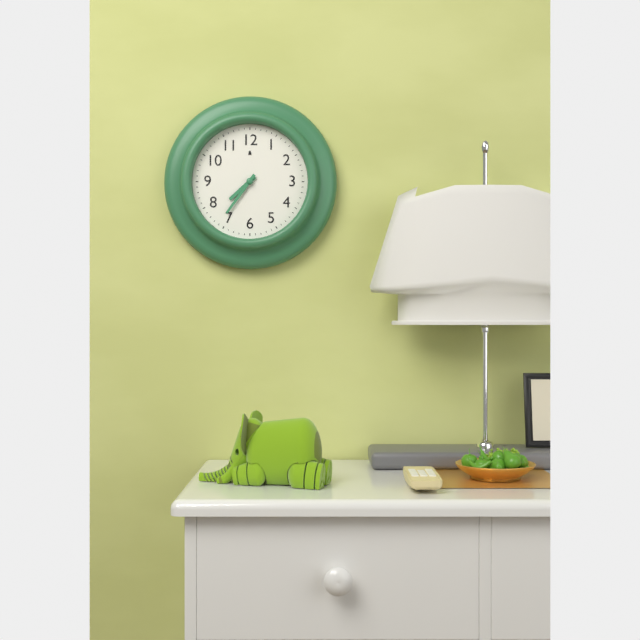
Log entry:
7 h 36 min
